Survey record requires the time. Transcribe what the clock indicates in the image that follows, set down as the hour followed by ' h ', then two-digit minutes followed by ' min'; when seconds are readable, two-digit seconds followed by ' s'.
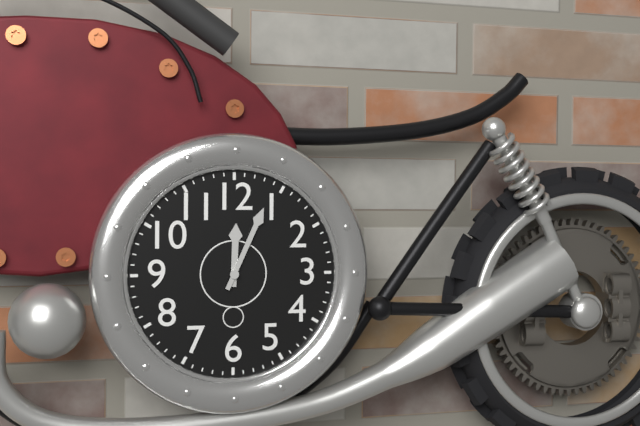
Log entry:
12 h 04 min
